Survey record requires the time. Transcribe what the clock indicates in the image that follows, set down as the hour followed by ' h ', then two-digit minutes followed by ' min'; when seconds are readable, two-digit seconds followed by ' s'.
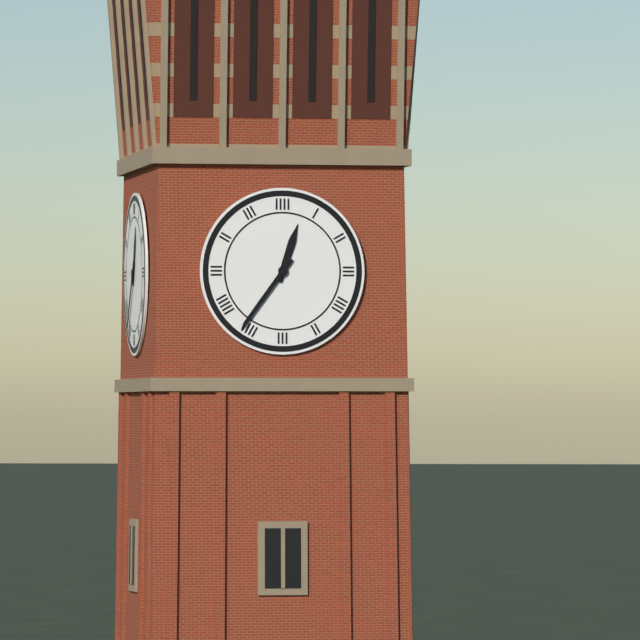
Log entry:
12 h 36 min
